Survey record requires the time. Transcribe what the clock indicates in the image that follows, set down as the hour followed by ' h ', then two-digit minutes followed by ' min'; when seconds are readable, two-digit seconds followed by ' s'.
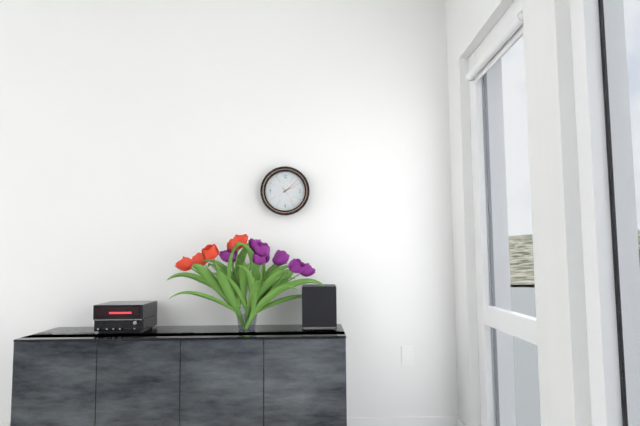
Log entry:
2 h 08 min
